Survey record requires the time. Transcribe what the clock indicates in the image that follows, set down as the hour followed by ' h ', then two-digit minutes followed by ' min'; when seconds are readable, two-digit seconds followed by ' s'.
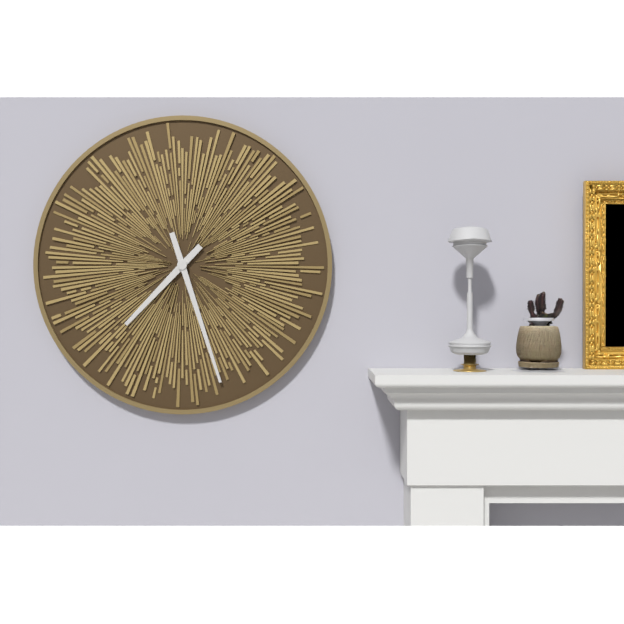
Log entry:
7 h 27 min
